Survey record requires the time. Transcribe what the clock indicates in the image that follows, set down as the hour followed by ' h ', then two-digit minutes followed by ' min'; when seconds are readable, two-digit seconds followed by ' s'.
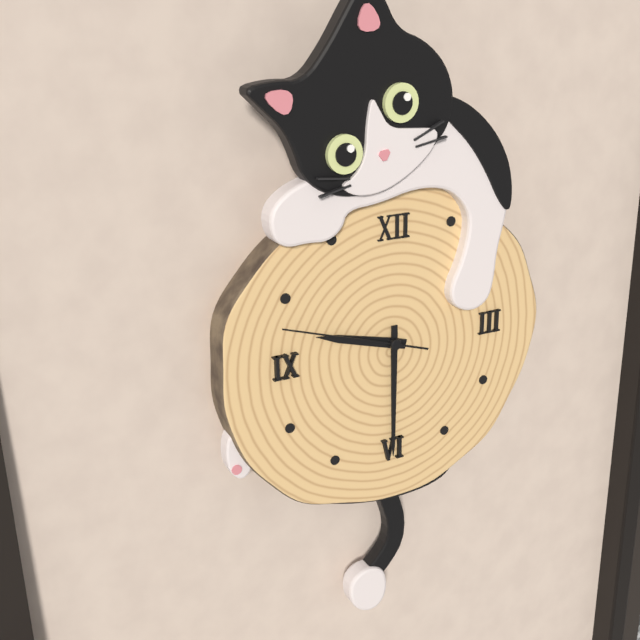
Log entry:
9 h 30 min 48 s
